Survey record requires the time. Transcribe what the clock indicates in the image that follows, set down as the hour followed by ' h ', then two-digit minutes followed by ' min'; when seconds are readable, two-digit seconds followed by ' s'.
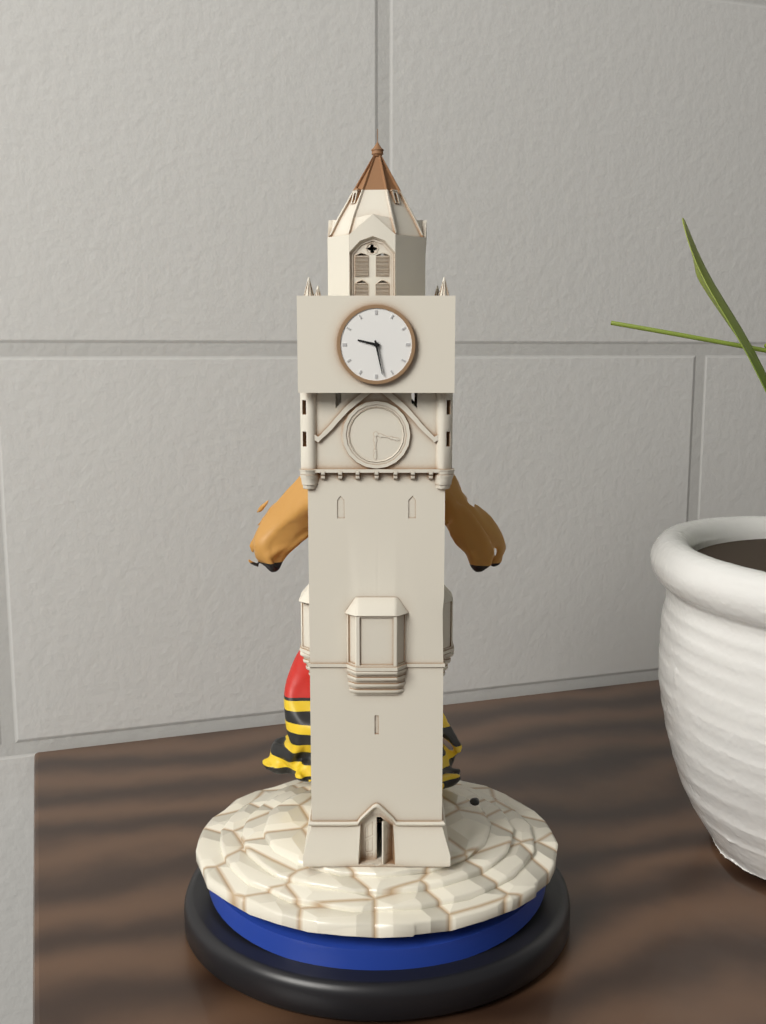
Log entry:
9 h 28 min
